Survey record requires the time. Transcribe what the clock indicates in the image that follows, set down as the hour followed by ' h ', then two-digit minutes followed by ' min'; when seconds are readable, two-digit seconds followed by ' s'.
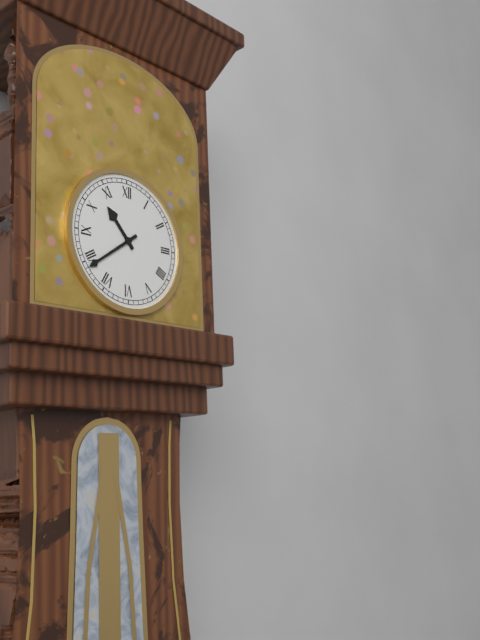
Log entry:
10 h 39 min
